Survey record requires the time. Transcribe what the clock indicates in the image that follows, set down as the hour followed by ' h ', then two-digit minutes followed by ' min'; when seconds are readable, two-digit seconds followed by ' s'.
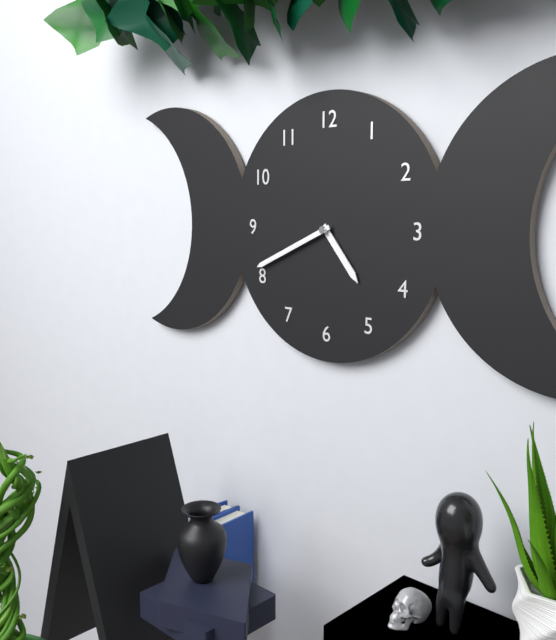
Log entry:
4 h 41 min
